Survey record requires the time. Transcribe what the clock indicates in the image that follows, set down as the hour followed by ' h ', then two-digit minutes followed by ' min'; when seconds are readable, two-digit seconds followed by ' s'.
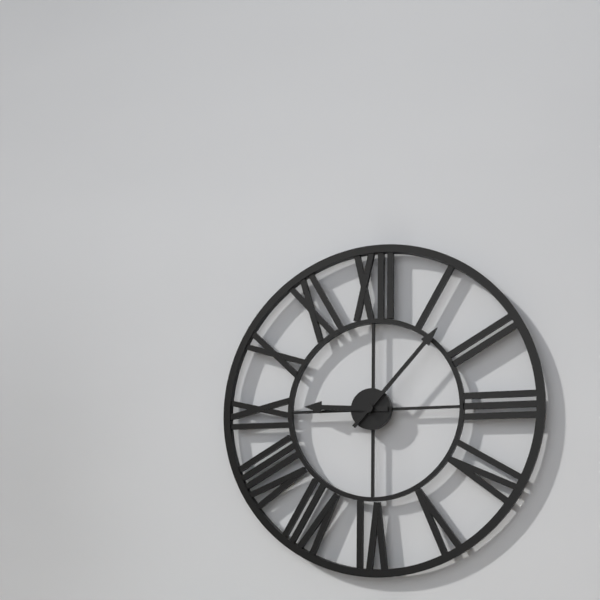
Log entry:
9 h 07 min
